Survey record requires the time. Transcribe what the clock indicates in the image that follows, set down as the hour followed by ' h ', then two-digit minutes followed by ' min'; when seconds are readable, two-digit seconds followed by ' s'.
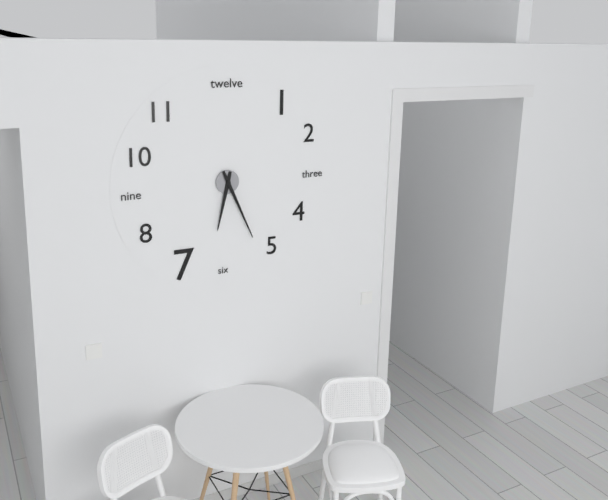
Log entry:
6 h 26 min
